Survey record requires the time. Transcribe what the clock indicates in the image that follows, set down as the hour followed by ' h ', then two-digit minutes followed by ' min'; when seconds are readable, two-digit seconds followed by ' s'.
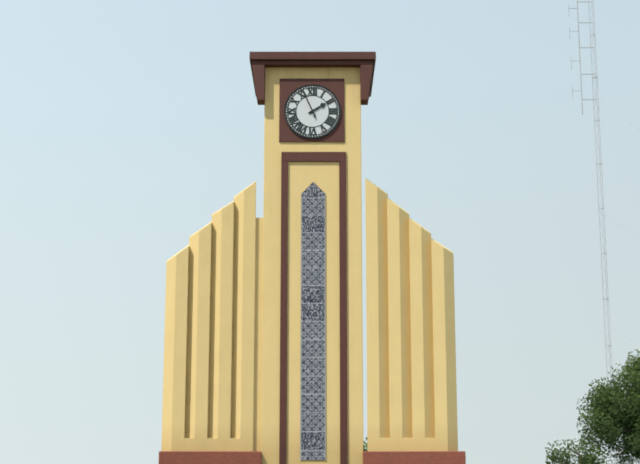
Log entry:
1 h 56 min
